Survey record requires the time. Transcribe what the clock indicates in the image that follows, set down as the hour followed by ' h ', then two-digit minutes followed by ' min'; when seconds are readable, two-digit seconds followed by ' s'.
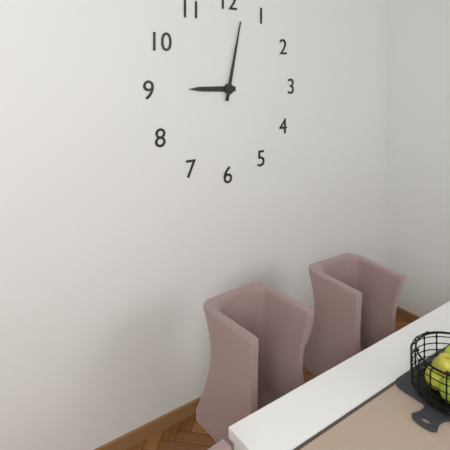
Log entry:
9 h 02 min
